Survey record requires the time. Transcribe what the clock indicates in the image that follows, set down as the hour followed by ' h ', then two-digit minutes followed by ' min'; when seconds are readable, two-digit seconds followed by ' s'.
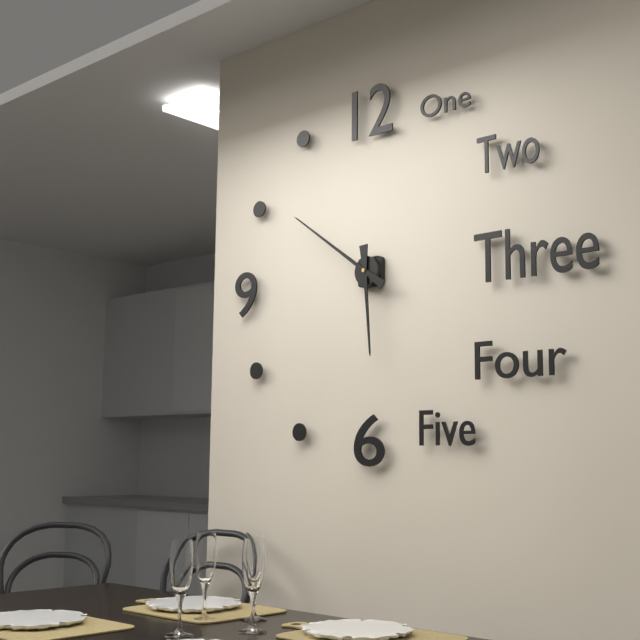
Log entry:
5 h 51 min
